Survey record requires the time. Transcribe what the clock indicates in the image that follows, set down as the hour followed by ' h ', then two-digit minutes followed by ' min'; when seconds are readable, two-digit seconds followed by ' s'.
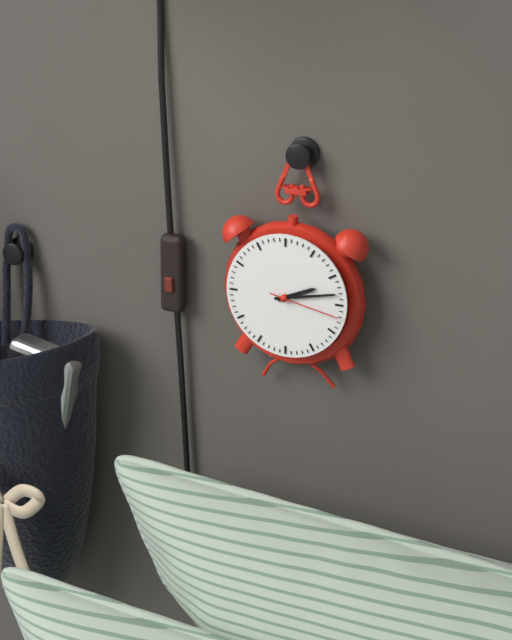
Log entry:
2 h 13 min 17 s
